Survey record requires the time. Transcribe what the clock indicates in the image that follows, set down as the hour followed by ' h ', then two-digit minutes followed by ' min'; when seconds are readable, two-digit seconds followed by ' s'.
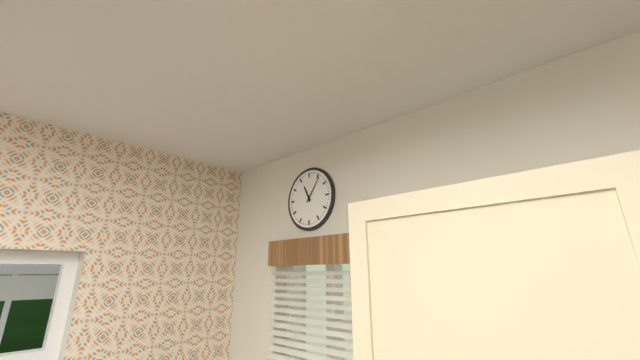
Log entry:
11 h 06 min
